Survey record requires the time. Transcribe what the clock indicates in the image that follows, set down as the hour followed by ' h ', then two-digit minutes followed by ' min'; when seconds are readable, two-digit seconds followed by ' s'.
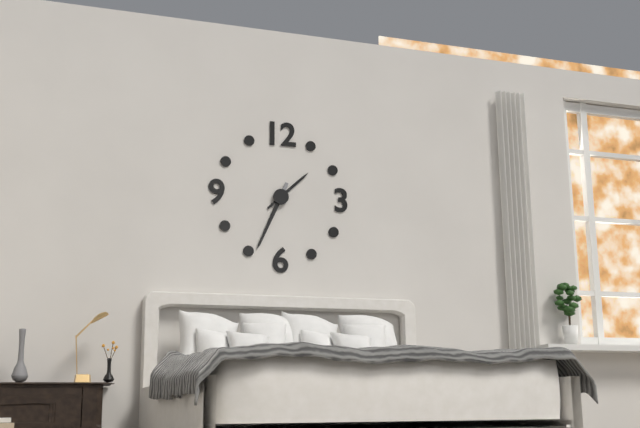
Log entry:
1 h 34 min
